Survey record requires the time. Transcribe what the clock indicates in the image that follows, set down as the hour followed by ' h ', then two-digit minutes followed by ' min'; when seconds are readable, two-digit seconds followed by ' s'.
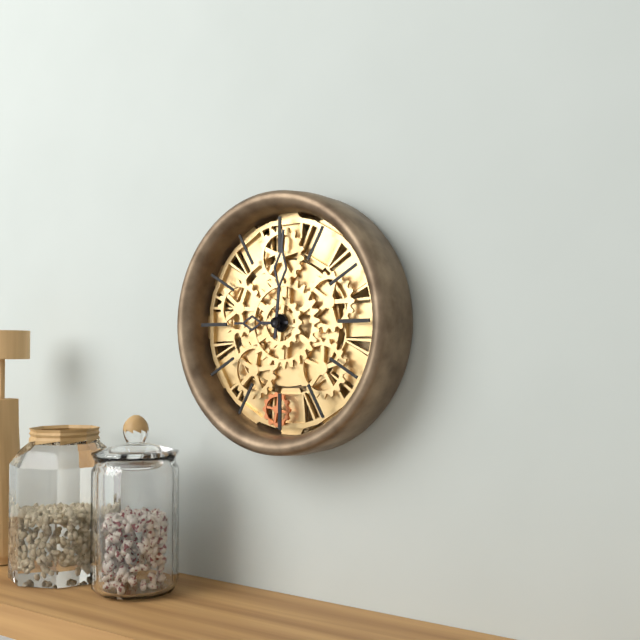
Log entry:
9 h 01 min
